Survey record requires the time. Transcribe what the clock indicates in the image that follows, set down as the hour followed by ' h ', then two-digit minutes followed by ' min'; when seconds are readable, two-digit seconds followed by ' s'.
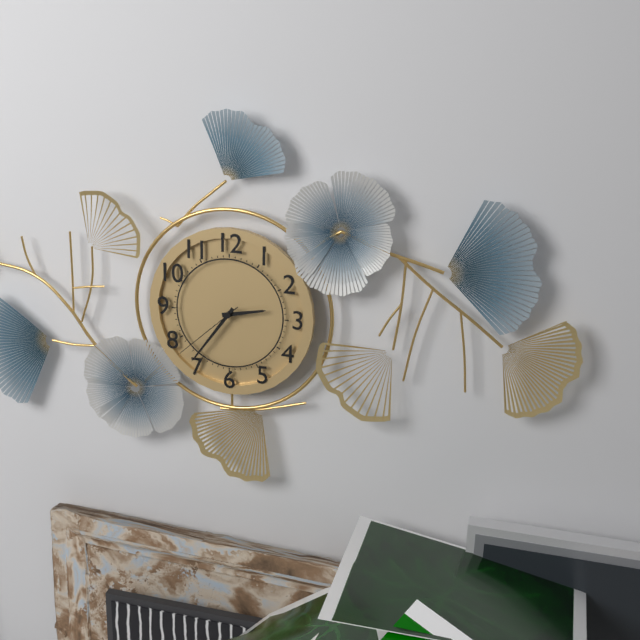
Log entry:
2 h 36 min 38 s
